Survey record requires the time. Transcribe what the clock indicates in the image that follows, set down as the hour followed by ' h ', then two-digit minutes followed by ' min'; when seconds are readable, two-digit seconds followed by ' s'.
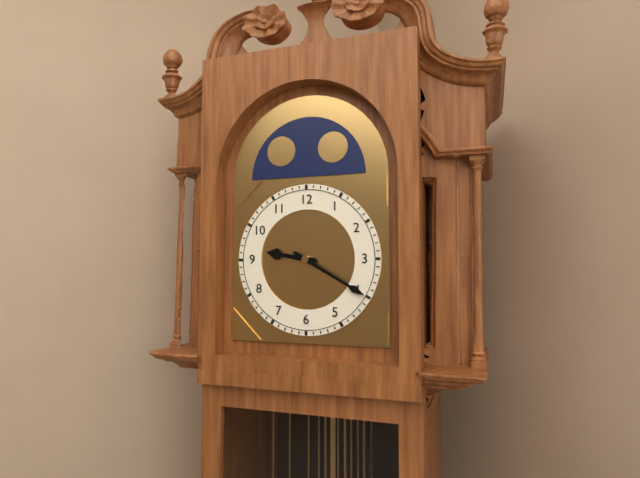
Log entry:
9 h 20 min
